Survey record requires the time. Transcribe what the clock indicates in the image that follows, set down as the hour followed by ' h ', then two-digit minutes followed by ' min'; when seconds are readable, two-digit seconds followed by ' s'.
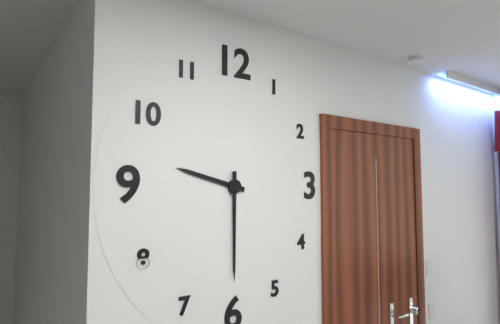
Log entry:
9 h 30 min
